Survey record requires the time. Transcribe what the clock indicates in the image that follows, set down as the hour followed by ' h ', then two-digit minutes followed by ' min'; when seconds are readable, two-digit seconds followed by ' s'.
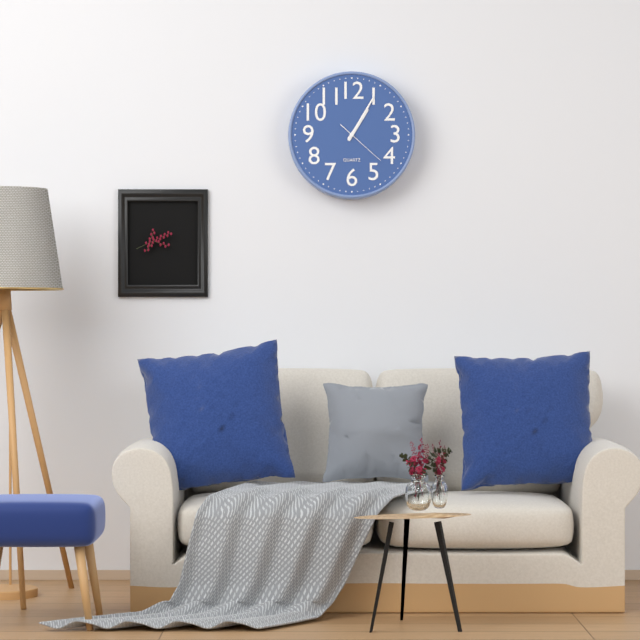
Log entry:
1 h 05 min
